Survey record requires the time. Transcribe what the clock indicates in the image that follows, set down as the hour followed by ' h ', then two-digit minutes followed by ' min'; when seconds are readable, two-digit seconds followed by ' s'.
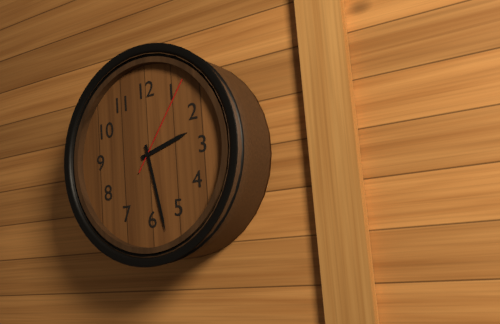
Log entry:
2 h 28 min 06 s
